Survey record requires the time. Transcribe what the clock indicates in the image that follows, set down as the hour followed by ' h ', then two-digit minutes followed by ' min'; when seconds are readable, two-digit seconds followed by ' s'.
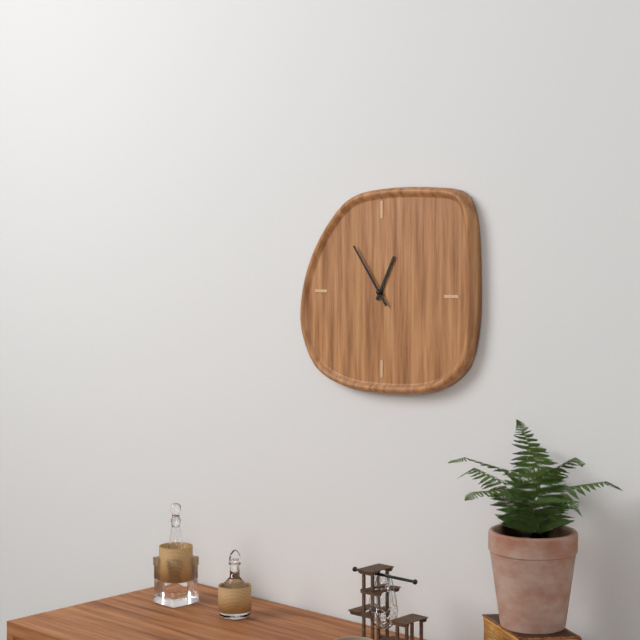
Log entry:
12 h 54 min
